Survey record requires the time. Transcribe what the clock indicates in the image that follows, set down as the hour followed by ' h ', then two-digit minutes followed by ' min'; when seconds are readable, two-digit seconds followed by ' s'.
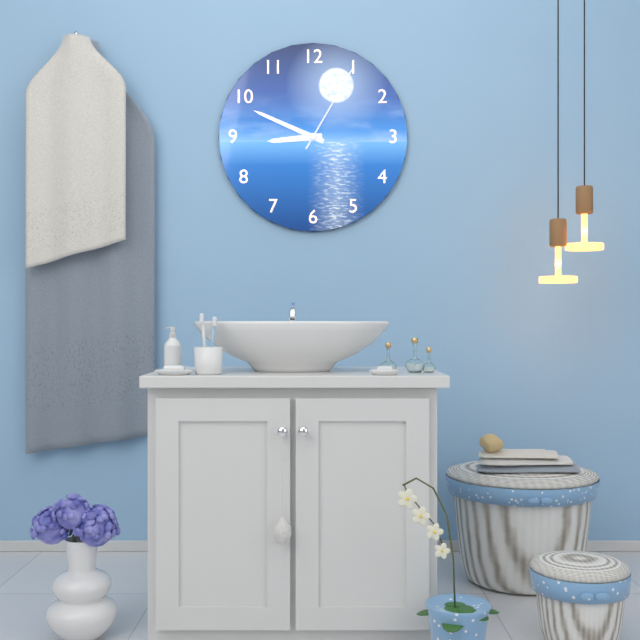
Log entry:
8 h 49 min 05 s
